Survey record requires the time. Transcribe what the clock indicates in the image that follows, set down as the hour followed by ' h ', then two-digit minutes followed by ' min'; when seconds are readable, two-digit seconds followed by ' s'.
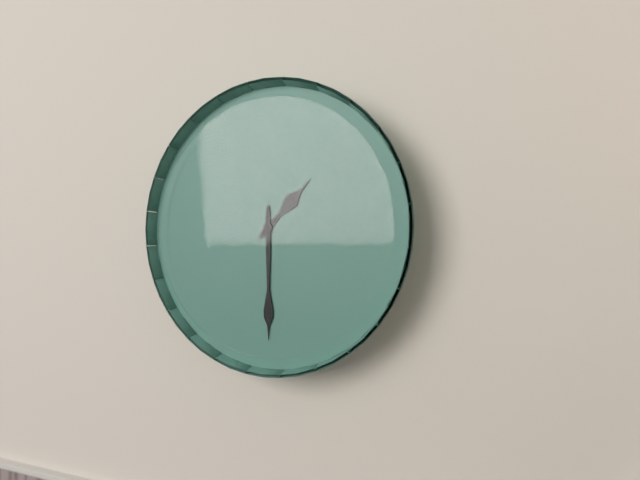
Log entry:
1 h 30 min
